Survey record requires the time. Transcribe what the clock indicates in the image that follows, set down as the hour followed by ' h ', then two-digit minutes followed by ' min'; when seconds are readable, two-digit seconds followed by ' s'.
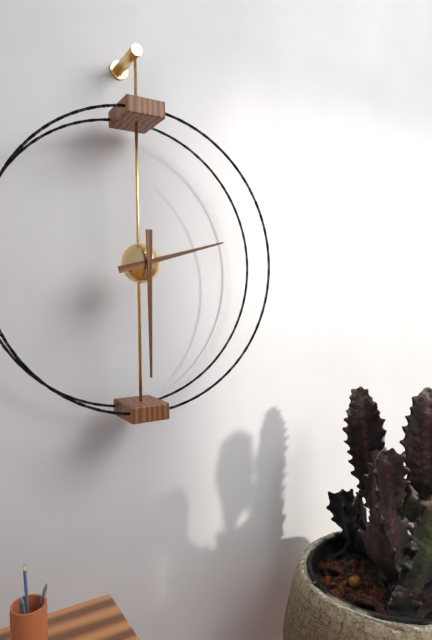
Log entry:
2 h 30 min
